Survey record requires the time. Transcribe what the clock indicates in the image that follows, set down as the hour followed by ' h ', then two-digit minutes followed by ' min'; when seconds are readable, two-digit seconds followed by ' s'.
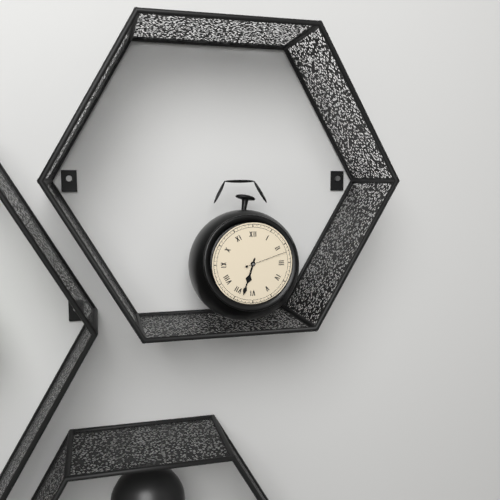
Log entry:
6 h 33 min
